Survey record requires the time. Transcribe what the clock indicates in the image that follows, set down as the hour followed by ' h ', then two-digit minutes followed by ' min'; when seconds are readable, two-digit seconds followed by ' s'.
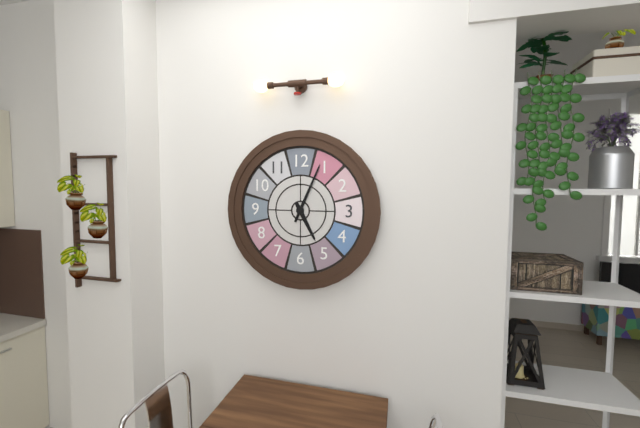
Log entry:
5 h 04 min
